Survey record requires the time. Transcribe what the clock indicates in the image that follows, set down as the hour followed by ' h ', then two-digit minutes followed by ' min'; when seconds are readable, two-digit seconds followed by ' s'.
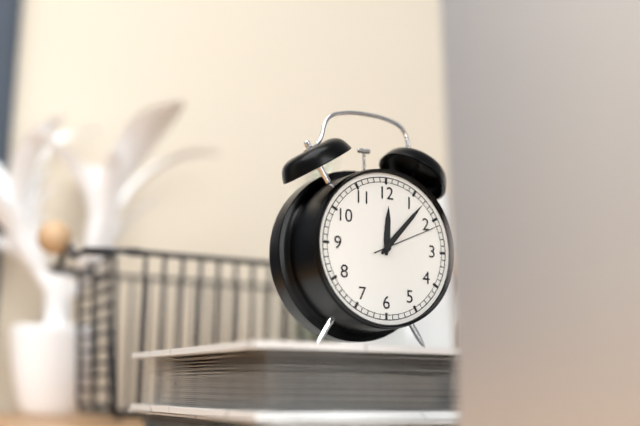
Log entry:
12 h 07 min 11 s
